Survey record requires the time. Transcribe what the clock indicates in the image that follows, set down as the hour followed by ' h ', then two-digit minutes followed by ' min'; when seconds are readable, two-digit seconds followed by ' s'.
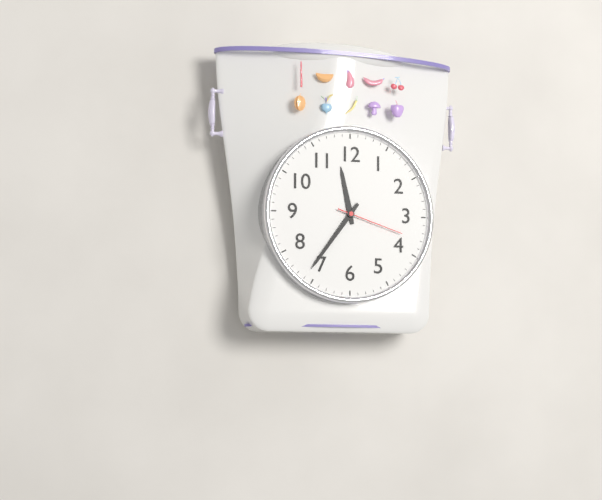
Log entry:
11 h 36 min 18 s
